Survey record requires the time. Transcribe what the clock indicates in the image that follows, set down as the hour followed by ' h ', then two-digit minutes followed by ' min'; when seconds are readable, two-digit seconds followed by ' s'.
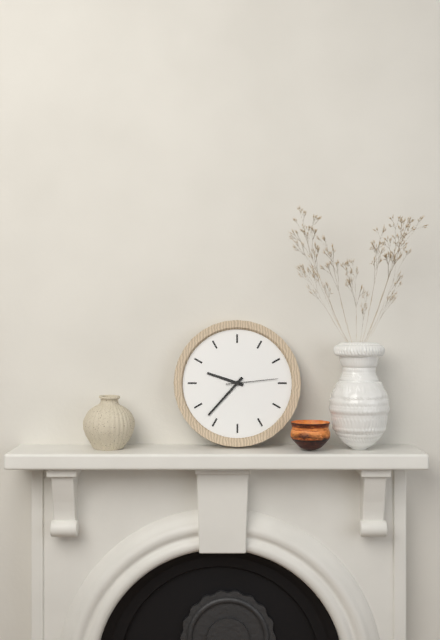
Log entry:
9 h 37 min 14 s
